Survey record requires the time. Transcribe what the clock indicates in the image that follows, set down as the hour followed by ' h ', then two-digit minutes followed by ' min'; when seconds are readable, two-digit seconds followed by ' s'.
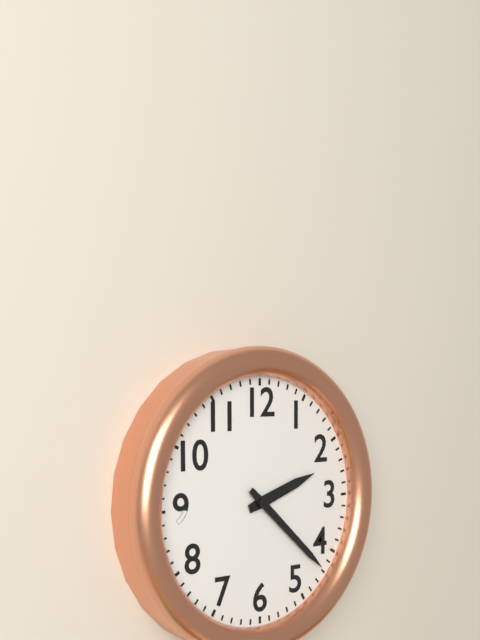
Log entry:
2 h 22 min
